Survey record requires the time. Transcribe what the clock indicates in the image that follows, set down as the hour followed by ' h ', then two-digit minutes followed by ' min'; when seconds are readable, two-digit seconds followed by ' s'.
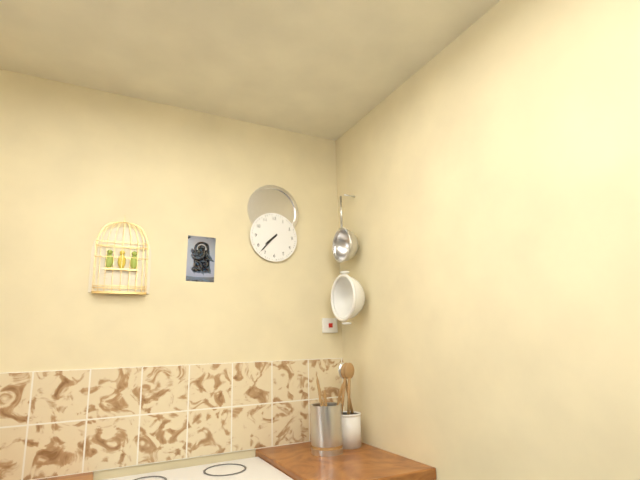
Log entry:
7 h 37 min
